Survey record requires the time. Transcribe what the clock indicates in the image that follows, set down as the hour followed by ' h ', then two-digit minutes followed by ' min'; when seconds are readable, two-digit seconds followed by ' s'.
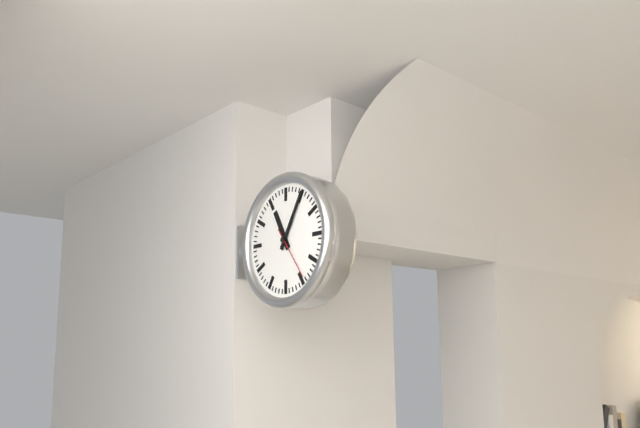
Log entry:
11 h 05 min
